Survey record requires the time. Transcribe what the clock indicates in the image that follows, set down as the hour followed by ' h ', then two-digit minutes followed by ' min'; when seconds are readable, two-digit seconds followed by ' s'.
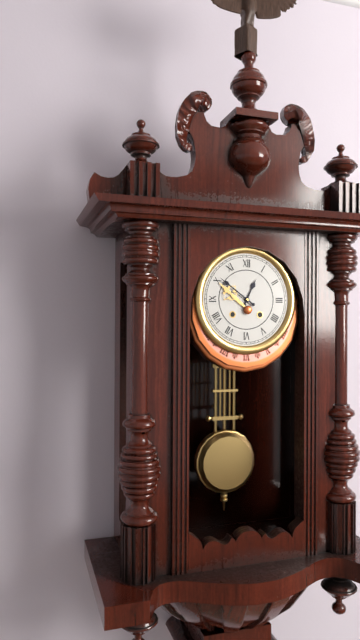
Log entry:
12 h 51 min
